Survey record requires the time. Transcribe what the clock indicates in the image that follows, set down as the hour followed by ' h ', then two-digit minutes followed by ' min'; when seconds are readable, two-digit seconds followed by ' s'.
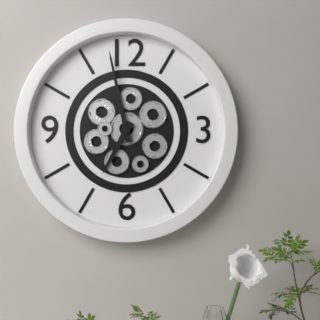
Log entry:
6 h 58 min
